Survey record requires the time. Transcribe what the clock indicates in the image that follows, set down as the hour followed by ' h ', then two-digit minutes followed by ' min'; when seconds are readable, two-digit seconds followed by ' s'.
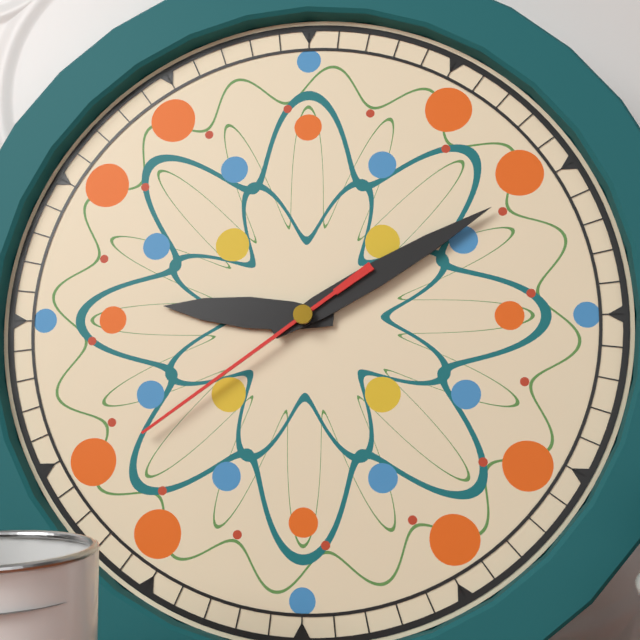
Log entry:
9 h 10 min 39 s
